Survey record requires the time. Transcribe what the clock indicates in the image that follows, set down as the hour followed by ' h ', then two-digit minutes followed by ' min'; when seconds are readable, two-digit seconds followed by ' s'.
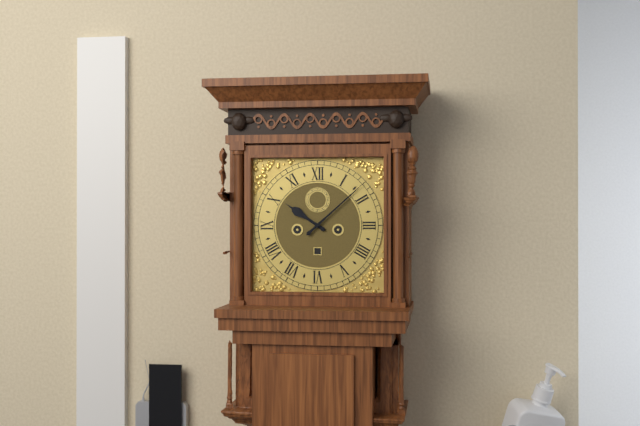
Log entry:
10 h 08 min
